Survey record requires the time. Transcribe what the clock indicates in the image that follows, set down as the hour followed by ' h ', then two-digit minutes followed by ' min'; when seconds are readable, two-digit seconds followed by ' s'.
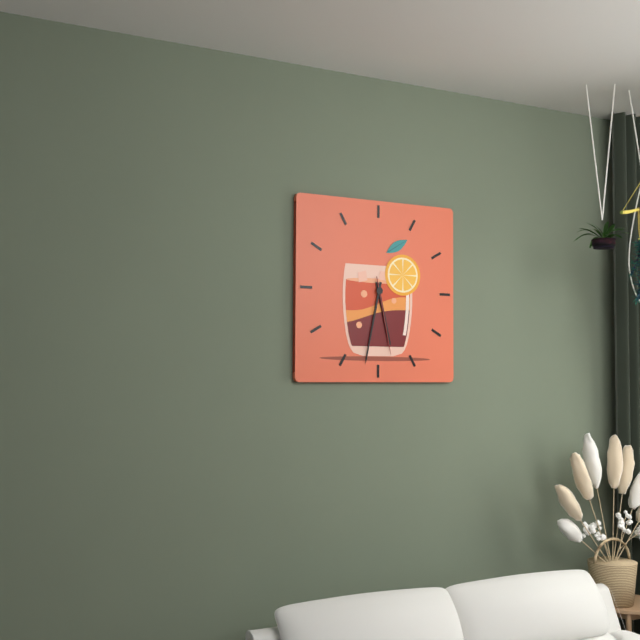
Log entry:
5 h 32 min 28 s
